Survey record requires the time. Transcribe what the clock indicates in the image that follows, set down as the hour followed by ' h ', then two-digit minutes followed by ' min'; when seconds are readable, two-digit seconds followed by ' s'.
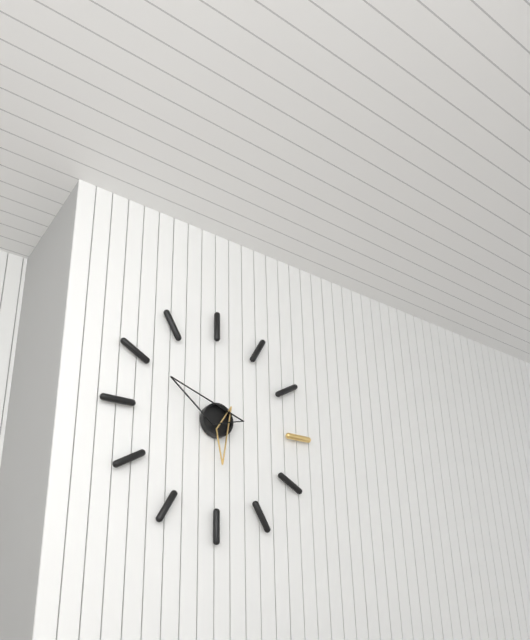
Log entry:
5 h 50 min
